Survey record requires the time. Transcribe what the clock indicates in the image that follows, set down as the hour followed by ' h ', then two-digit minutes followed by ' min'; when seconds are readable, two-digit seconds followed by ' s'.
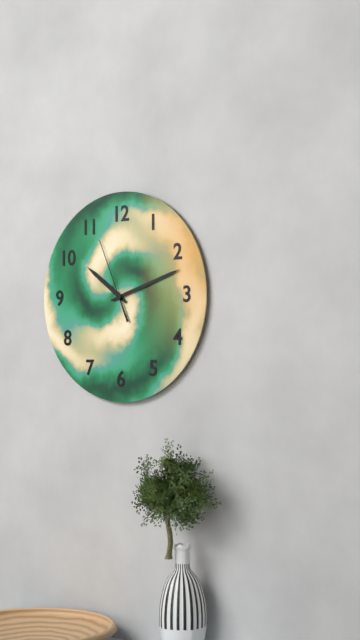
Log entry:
10 h 12 min 56 s
